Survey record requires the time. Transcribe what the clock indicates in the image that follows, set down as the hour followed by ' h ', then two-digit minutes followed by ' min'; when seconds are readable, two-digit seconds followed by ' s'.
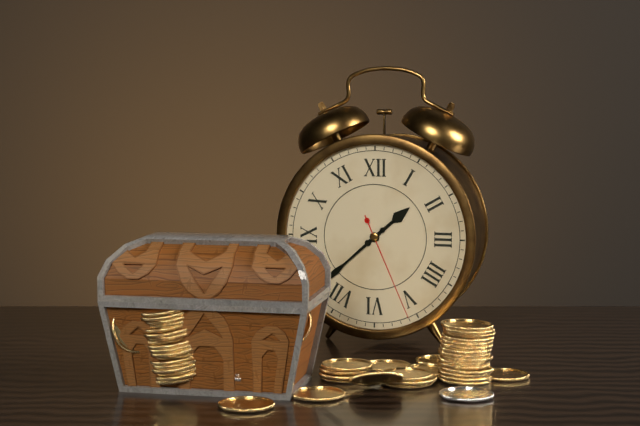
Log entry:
1 h 38 min 26 s
